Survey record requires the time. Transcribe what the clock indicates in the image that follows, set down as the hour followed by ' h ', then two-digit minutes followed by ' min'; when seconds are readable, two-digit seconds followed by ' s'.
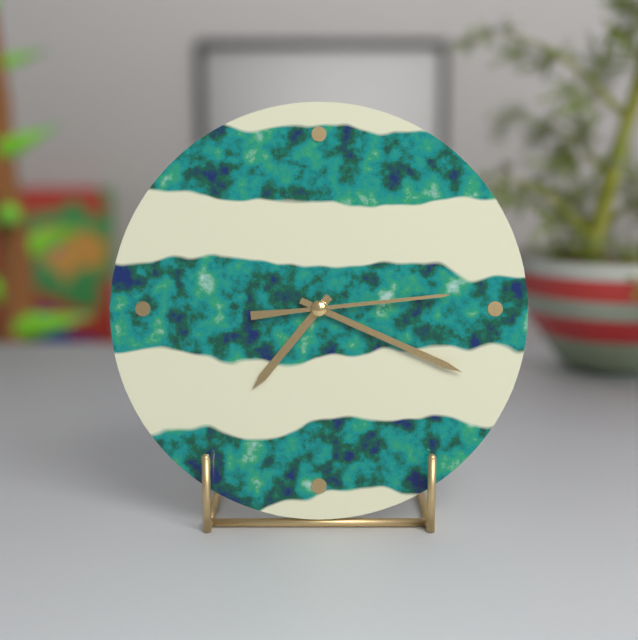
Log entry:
7 h 19 min 14 s
